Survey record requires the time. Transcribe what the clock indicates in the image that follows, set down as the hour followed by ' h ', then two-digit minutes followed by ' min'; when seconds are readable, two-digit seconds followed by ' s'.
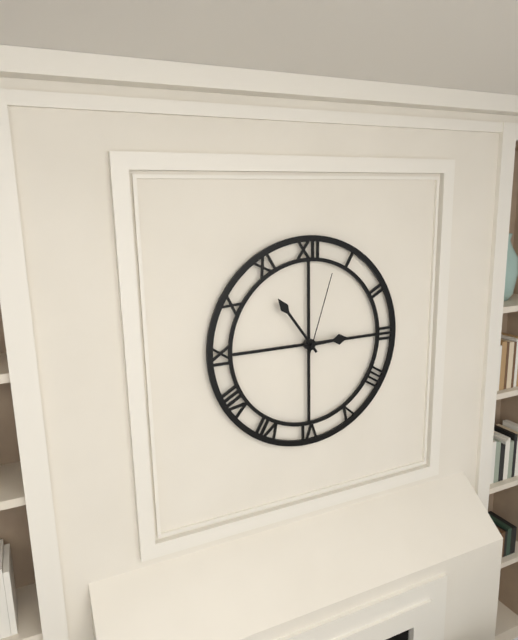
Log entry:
2 h 54 min 03 s
